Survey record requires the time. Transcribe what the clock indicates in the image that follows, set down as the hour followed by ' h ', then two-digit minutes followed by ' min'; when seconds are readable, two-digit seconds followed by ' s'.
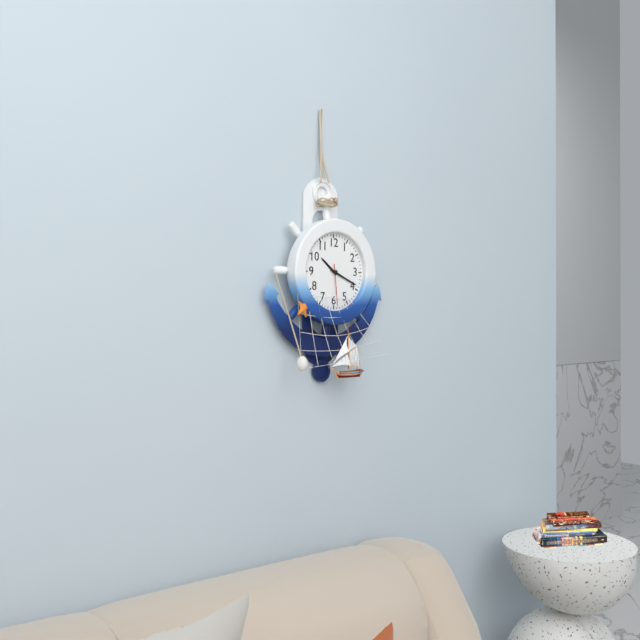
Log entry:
10 h 19 min
